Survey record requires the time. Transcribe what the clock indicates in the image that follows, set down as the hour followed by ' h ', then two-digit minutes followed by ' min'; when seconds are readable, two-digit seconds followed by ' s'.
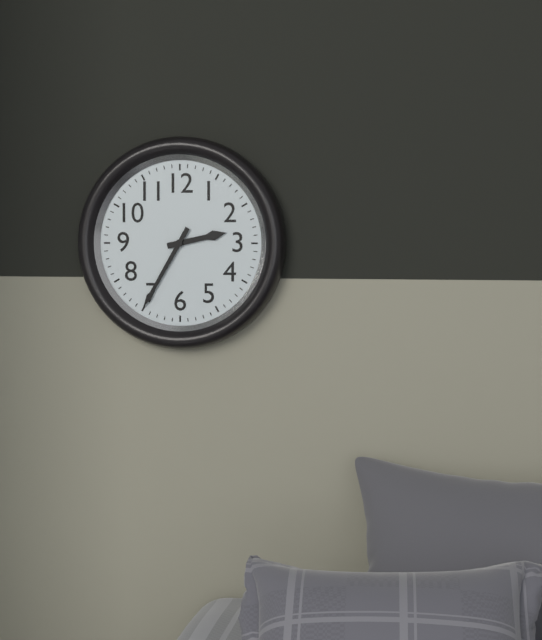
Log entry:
2 h 35 min
